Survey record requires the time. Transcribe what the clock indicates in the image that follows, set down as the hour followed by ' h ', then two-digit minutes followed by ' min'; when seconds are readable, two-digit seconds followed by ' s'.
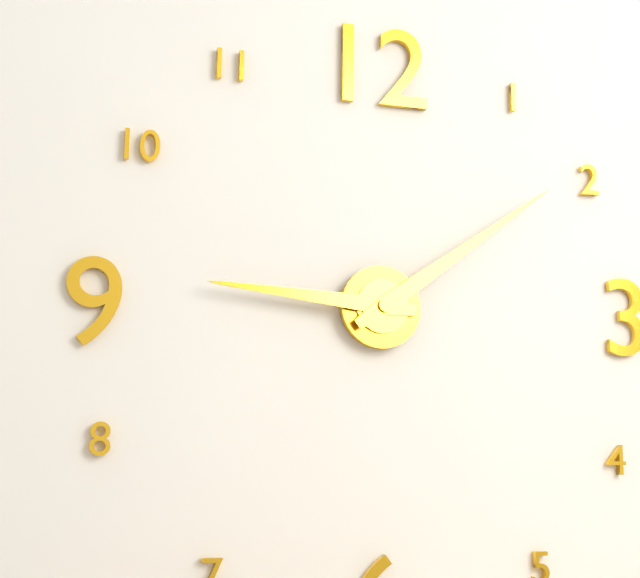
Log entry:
9 h 09 min
